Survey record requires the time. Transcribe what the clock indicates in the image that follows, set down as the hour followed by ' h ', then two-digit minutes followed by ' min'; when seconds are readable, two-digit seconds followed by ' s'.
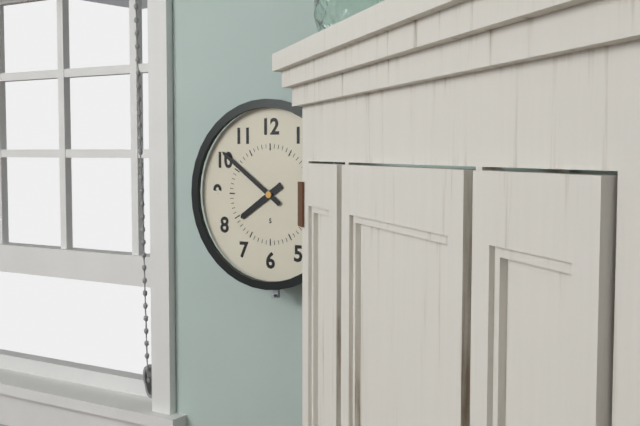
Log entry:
7 h 51 min
